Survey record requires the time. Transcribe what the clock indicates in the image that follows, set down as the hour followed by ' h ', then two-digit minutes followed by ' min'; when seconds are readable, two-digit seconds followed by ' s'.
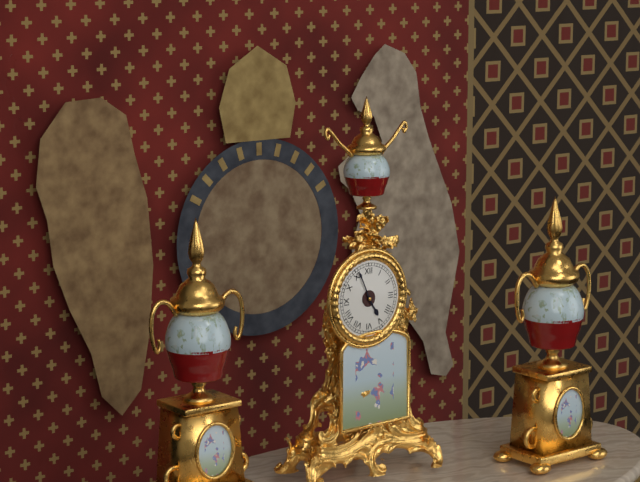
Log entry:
4 h 56 min
